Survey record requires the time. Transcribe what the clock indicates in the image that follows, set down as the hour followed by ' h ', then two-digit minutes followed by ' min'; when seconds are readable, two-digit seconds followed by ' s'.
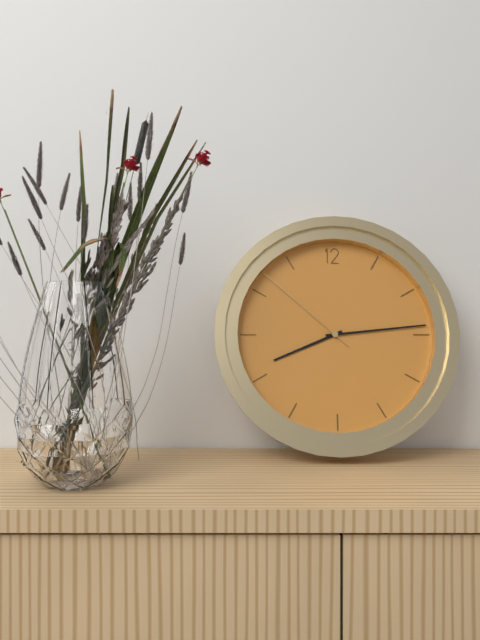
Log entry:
8 h 14 min 52 s
